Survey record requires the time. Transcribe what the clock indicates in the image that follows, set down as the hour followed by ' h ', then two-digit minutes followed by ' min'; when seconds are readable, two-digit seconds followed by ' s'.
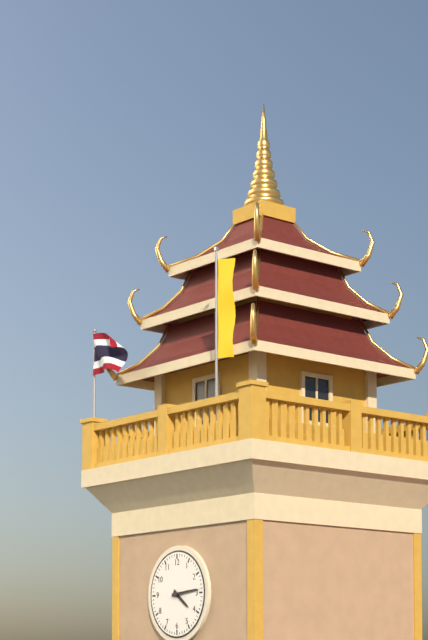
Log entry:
4 h 14 min
